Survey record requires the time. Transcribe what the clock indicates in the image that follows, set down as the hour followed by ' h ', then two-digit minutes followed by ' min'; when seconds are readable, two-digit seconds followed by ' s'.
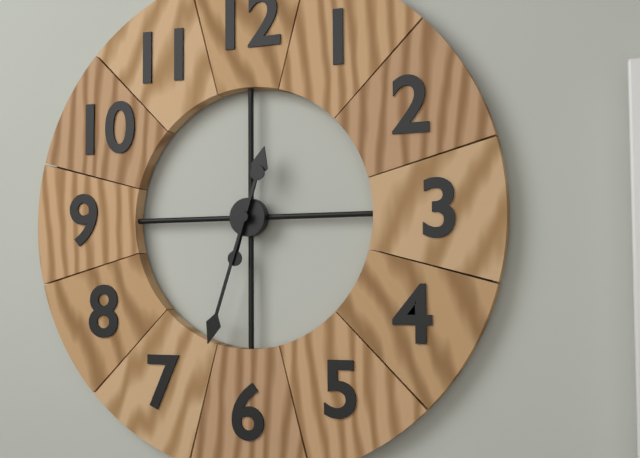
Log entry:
12 h 33 min
